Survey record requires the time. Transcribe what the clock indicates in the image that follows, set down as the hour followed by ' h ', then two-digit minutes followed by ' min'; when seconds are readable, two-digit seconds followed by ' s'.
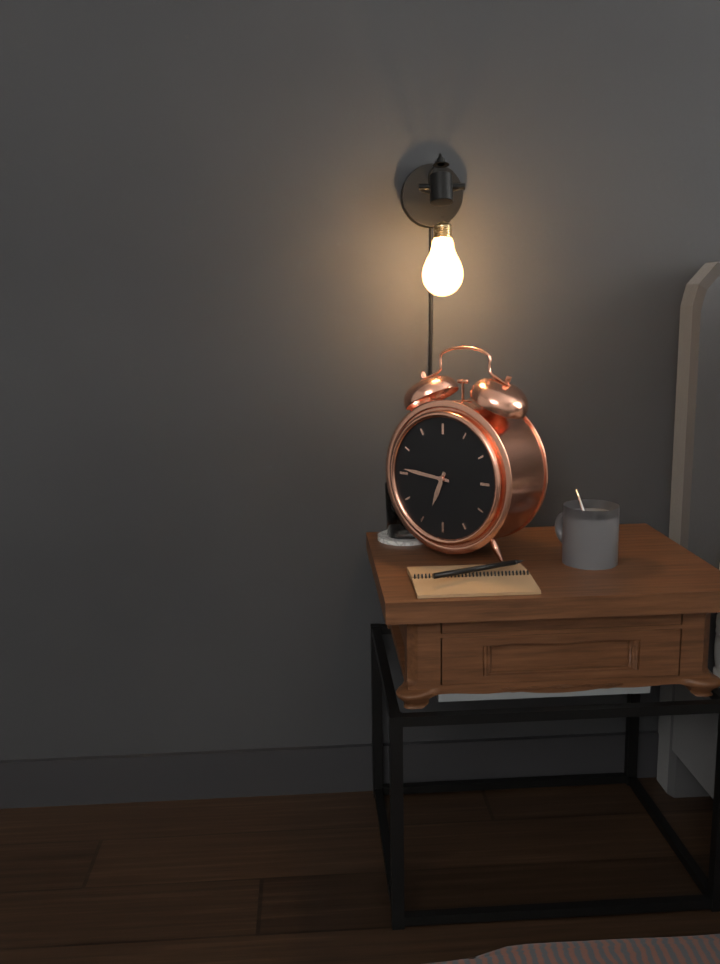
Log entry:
6 h 46 min
